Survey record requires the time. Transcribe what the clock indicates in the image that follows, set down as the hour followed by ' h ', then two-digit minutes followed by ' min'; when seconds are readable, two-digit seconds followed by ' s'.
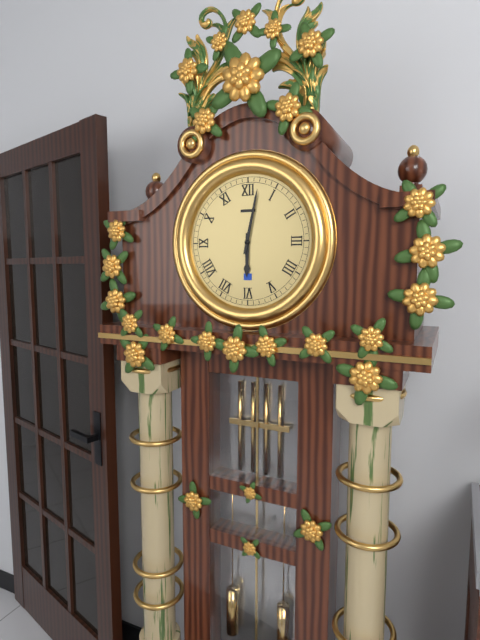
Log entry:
6 h 02 min
